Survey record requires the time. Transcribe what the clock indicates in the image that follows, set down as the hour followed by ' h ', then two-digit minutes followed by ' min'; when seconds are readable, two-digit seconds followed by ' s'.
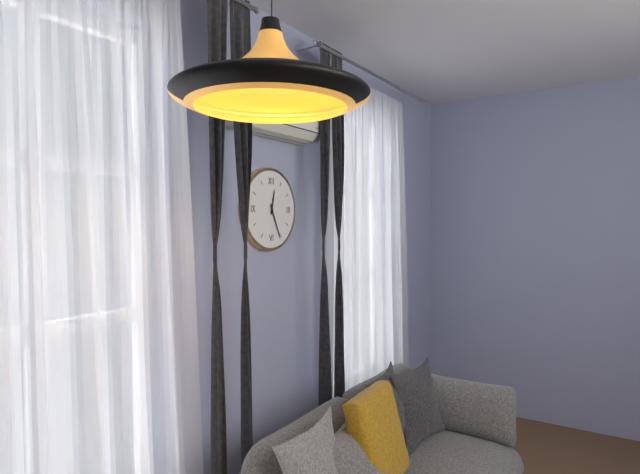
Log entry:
12 h 26 min
